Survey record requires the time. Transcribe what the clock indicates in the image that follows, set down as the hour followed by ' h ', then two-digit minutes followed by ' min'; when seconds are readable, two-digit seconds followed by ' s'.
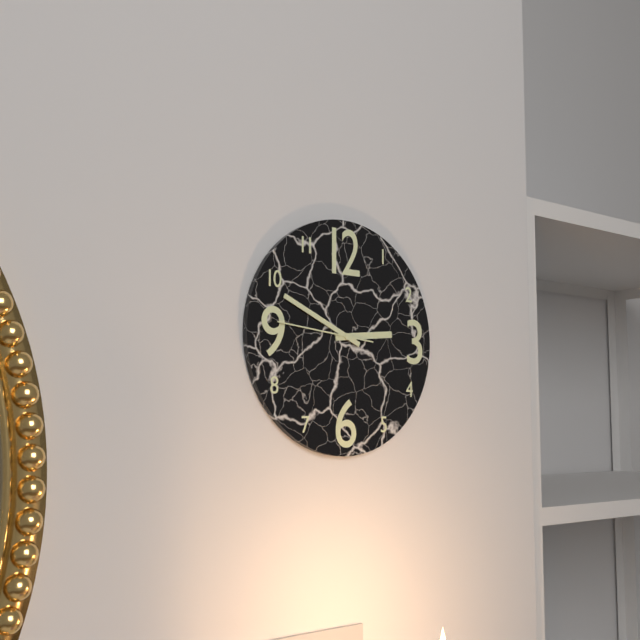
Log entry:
2 h 49 min 46 s
